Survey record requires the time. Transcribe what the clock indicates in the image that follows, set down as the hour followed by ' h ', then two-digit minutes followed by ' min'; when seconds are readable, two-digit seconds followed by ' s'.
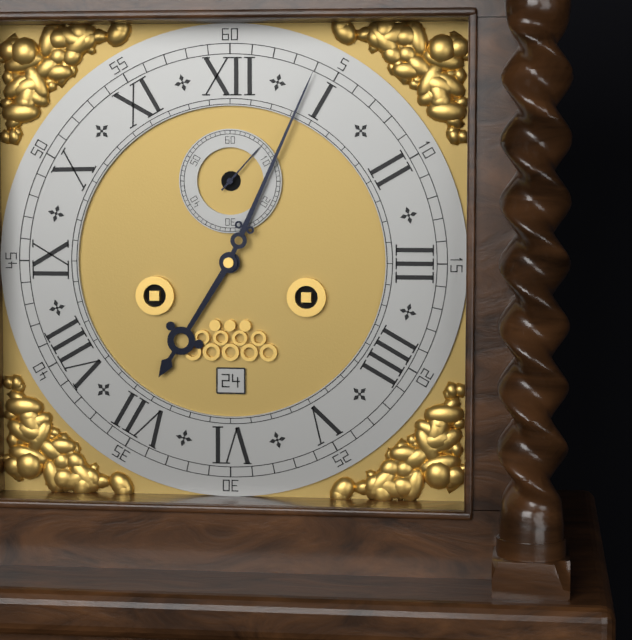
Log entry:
7 h 04 min 07 s
